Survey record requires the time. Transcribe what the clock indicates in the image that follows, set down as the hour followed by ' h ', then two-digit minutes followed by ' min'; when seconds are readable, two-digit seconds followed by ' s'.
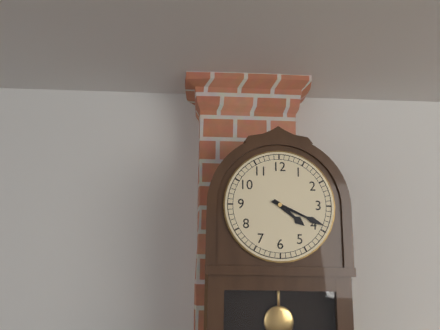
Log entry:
4 h 19 min
